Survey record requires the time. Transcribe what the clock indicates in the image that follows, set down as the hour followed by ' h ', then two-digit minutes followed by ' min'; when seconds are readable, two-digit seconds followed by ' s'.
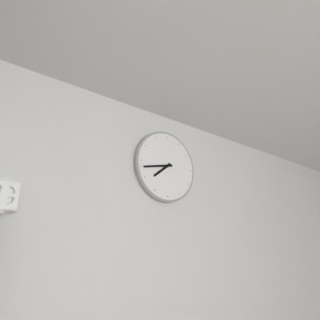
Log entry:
7 h 43 min
